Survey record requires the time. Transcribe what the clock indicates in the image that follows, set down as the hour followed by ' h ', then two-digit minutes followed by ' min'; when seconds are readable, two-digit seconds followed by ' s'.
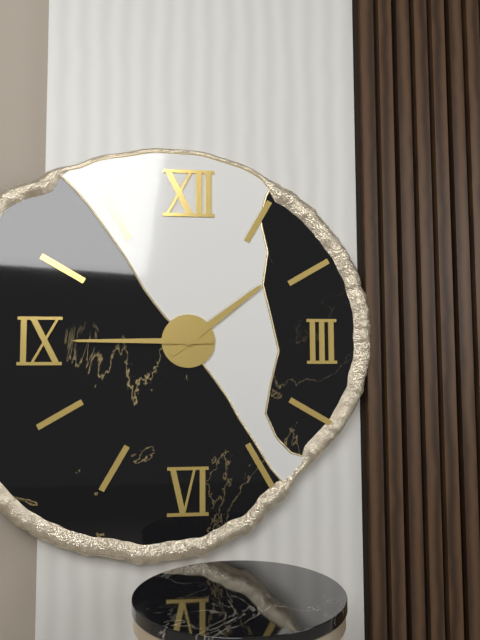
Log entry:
1 h 45 min
